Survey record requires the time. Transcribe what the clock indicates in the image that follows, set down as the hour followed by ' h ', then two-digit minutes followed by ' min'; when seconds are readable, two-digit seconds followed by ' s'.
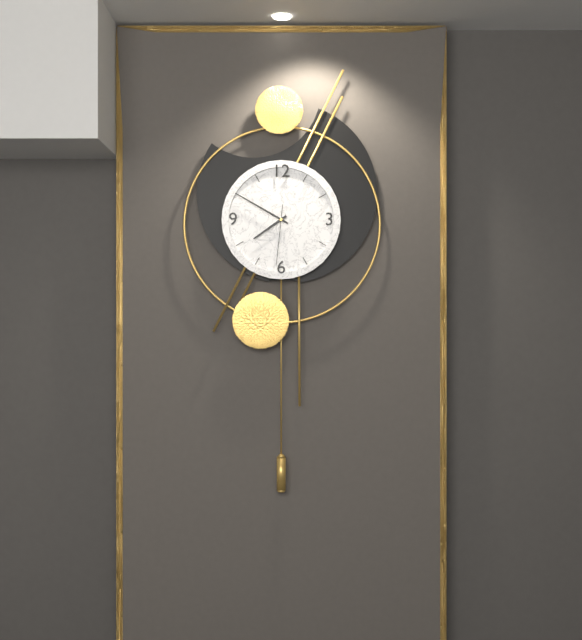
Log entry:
7 h 50 min 31 s
